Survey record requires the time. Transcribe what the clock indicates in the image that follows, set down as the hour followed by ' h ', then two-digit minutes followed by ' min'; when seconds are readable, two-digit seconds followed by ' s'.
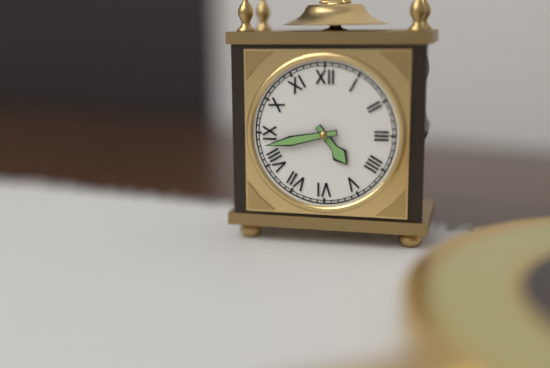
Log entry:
4 h 43 min
